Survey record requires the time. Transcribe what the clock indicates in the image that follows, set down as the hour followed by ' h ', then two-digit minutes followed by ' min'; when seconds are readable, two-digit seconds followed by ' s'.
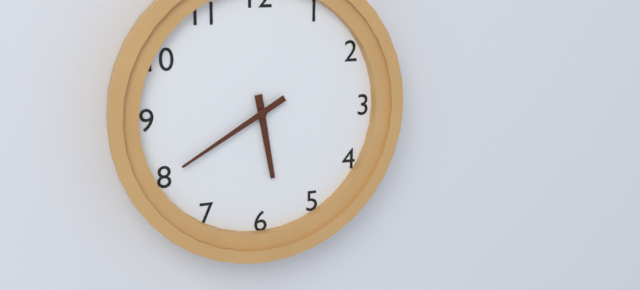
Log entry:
5 h 40 min
